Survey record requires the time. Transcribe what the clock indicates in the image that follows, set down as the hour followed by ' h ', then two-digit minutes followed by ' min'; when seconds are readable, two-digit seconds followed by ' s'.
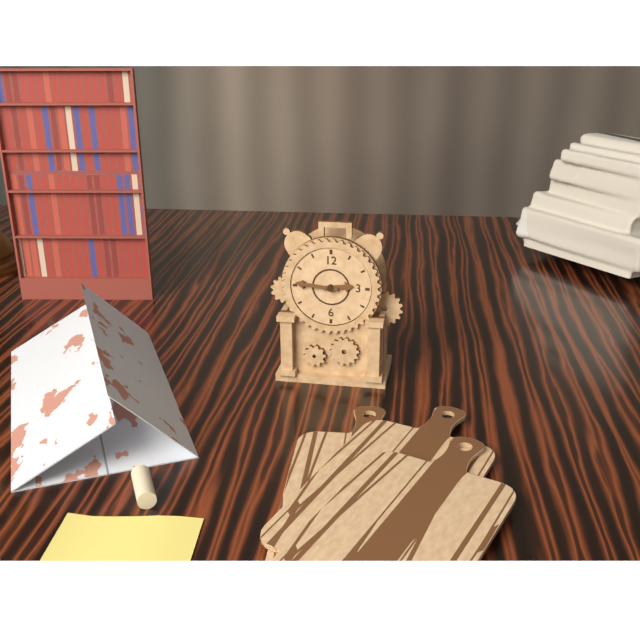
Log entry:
2 h 46 min
